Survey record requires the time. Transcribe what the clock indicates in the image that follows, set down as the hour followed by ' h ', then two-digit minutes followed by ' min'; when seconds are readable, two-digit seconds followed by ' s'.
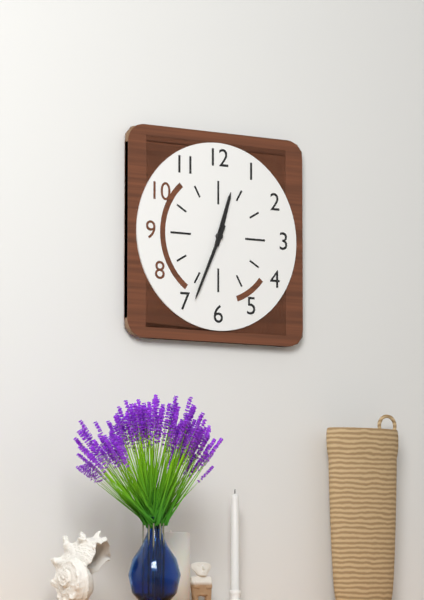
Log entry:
12 h 34 min
